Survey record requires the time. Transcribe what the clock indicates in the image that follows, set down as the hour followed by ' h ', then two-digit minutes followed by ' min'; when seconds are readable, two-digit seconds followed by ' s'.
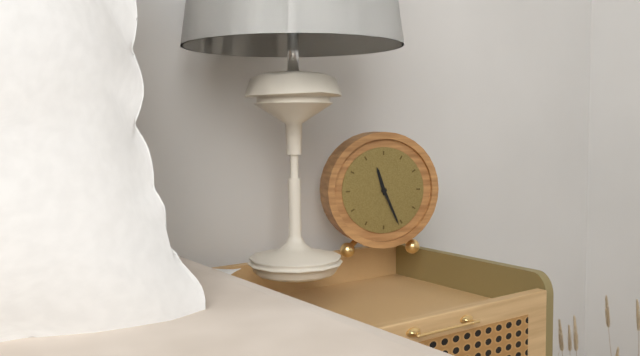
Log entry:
11 h 26 min
